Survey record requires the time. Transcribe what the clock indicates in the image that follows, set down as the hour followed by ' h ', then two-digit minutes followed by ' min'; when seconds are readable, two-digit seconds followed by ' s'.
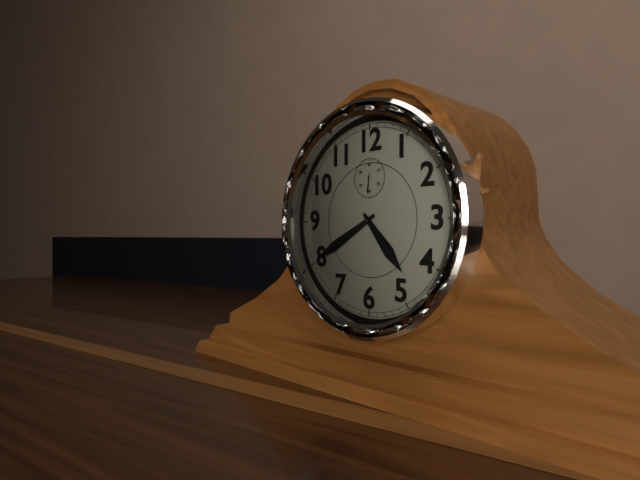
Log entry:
4 h 40 min
